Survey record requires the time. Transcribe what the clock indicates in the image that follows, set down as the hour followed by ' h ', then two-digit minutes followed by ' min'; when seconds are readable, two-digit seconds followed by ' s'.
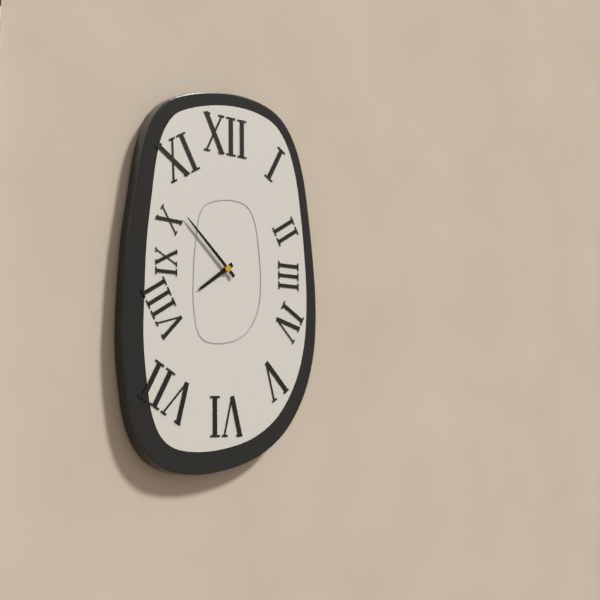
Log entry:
7 h 52 min
